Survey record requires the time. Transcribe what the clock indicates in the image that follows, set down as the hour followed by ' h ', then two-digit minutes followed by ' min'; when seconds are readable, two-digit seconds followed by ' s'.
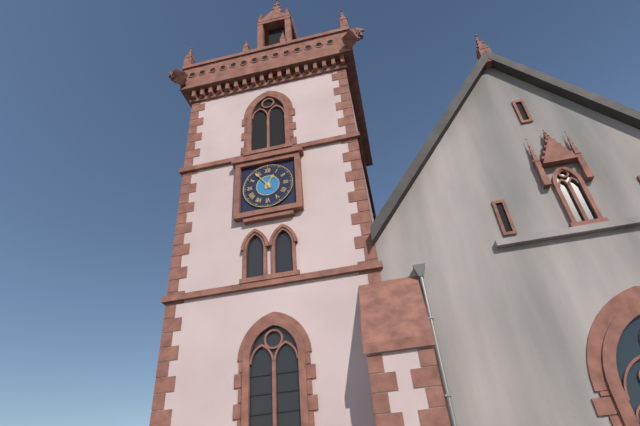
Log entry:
12 h 54 min
